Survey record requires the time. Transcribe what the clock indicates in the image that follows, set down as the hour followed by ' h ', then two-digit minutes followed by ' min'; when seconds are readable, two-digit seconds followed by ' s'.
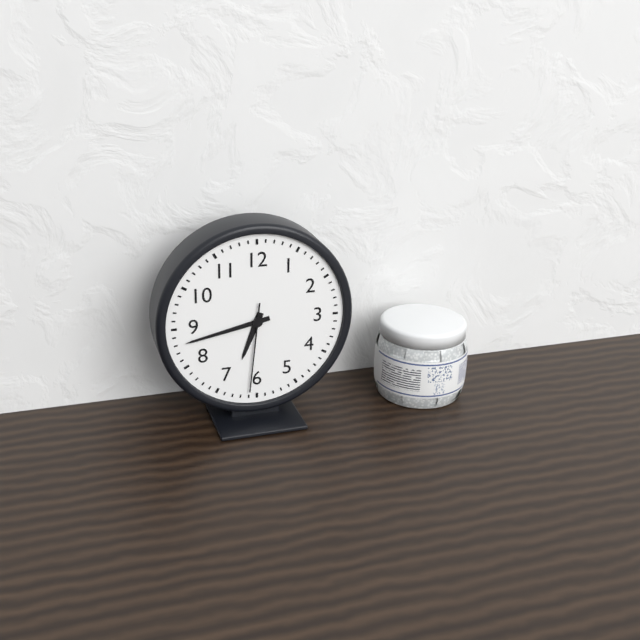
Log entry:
6 h 43 min 31 s
